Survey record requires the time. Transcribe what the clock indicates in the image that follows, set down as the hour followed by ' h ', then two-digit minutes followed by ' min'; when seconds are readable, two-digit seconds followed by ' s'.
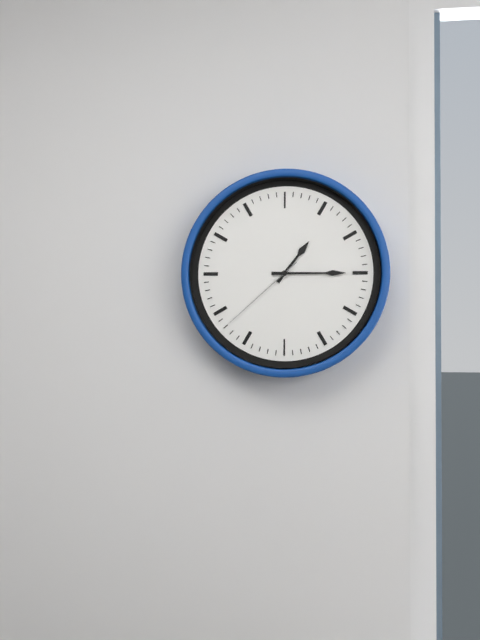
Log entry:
1 h 15 min 38 s
